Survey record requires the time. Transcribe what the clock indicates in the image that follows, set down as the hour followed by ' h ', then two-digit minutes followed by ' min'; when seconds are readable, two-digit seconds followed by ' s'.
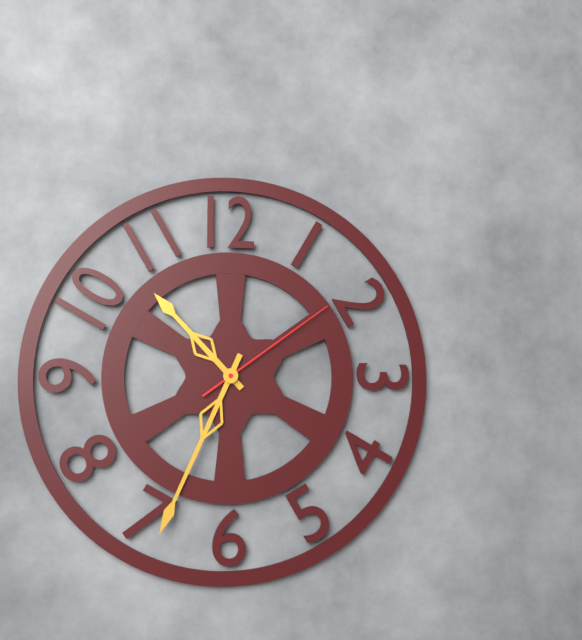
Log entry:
10 h 34 min 09 s
